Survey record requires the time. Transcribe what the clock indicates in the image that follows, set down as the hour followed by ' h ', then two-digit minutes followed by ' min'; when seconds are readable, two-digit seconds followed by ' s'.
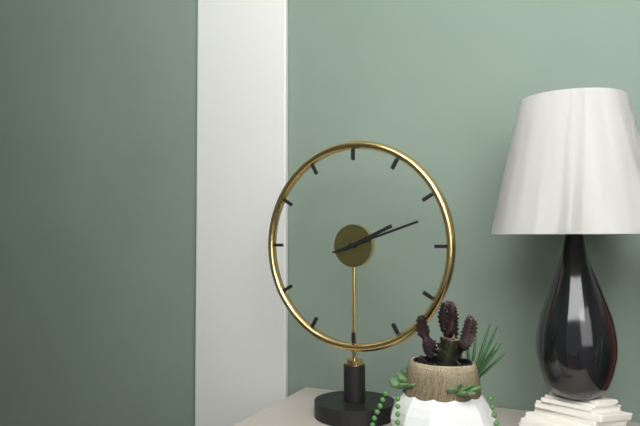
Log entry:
2 h 12 min
